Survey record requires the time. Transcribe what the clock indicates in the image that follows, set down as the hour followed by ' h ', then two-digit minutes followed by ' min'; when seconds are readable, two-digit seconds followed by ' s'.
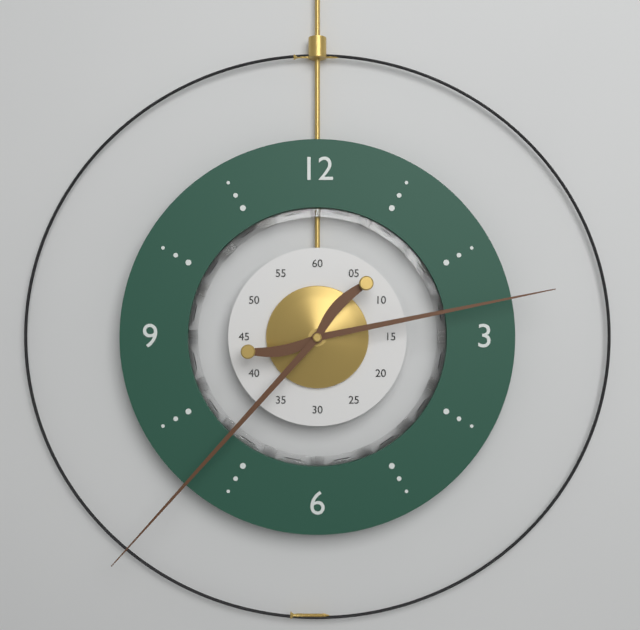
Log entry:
2 h 37 min
